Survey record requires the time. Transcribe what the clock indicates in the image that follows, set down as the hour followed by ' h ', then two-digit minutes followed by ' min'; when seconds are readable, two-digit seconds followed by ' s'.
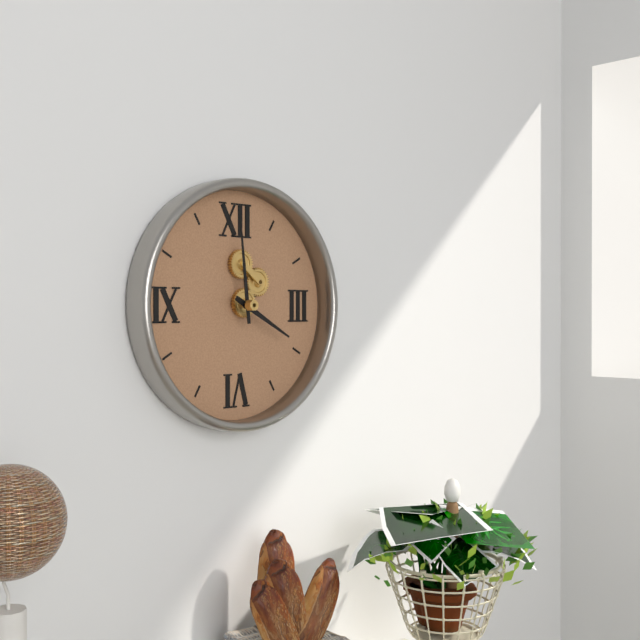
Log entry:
3 h 59 min
